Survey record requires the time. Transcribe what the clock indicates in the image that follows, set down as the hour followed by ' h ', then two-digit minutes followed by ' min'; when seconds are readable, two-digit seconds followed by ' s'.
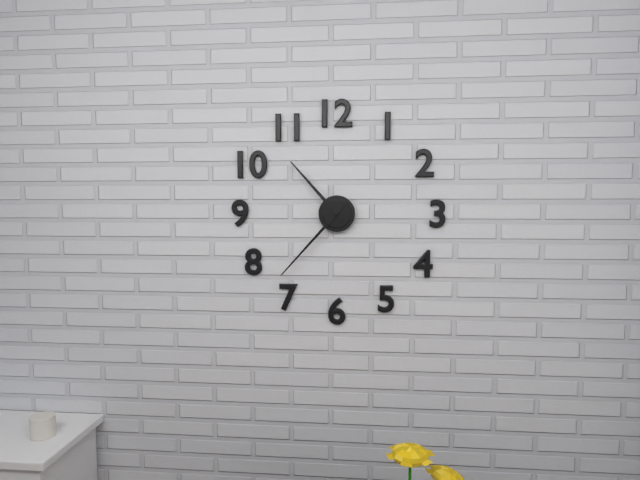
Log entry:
10 h 37 min
